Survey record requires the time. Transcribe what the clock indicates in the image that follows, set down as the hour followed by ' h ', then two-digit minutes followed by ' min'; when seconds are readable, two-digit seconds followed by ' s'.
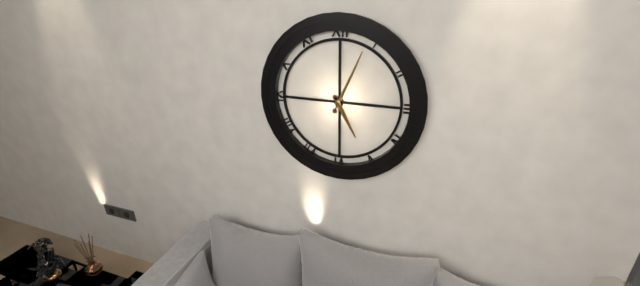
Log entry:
5 h 04 min
